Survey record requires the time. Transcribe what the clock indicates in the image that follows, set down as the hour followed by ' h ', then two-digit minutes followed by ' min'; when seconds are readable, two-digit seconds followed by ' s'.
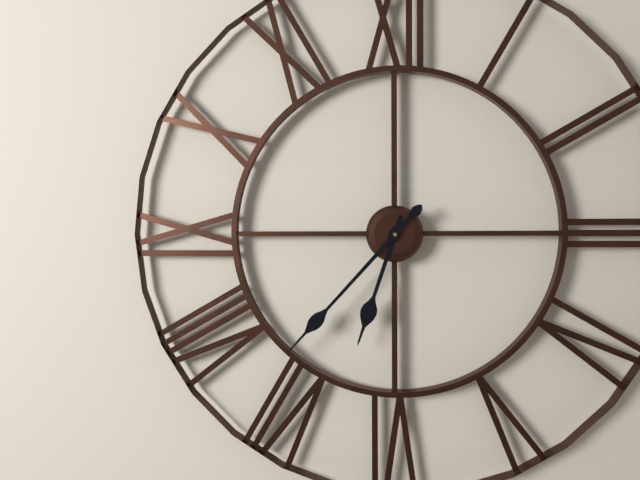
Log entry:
6 h 37 min
